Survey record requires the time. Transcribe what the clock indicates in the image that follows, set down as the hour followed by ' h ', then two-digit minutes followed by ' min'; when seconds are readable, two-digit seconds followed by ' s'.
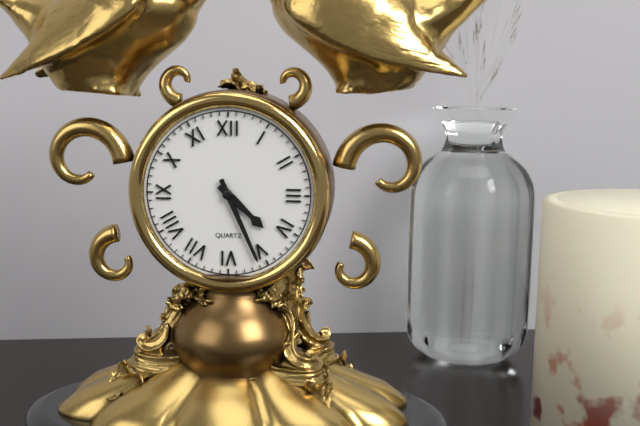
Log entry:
4 h 26 min
